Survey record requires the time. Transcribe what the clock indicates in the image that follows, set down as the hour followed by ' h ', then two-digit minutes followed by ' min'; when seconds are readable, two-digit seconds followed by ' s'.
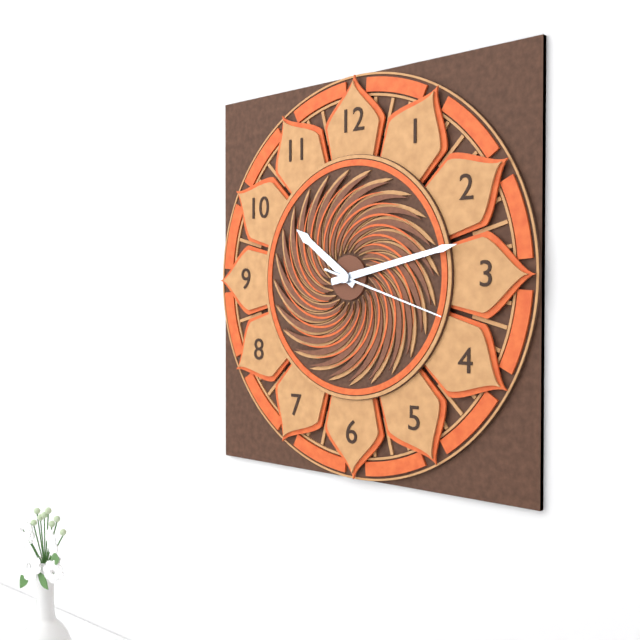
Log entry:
10 h 13 min 18 s
